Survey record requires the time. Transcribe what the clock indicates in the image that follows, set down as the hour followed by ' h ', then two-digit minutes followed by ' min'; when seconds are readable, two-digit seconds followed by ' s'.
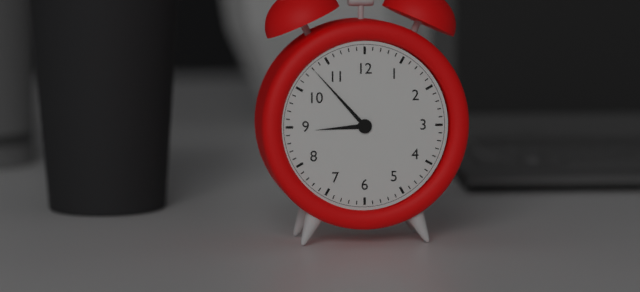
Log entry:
8 h 53 min
